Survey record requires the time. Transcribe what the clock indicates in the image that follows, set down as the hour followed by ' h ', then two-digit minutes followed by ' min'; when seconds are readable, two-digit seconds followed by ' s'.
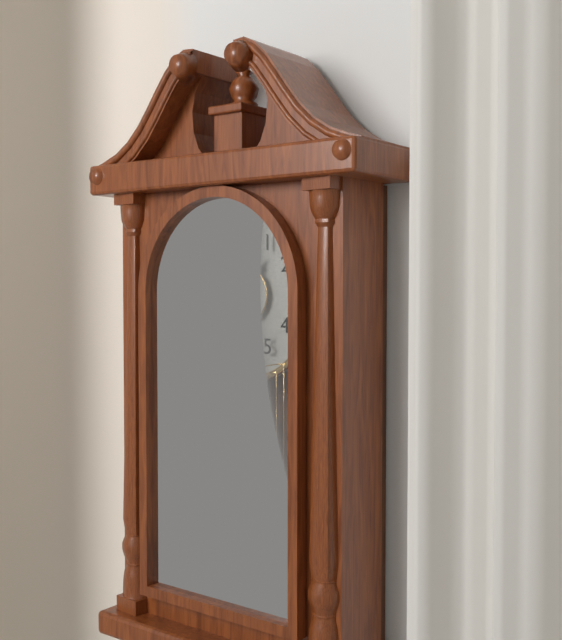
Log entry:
1 h 00 min
